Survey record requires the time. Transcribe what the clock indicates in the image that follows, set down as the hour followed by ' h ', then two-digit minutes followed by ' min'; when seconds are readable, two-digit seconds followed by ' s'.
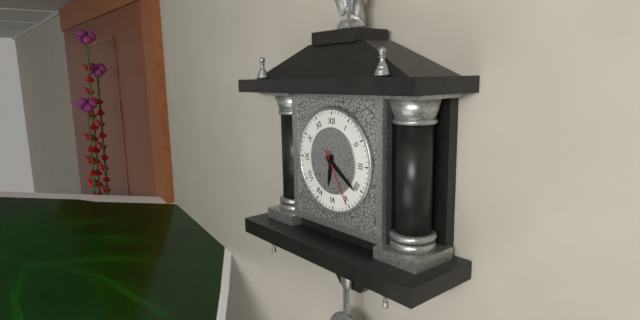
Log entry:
6 h 21 min 25 s
